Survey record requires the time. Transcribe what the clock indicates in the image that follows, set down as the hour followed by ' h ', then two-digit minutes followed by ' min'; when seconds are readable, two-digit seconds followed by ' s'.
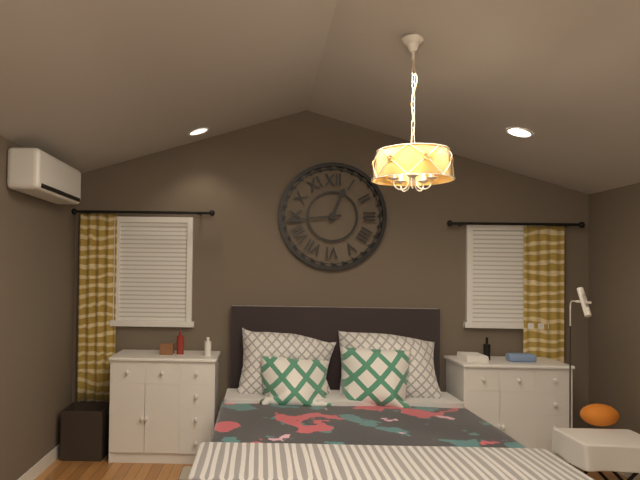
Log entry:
12 h 44 min
